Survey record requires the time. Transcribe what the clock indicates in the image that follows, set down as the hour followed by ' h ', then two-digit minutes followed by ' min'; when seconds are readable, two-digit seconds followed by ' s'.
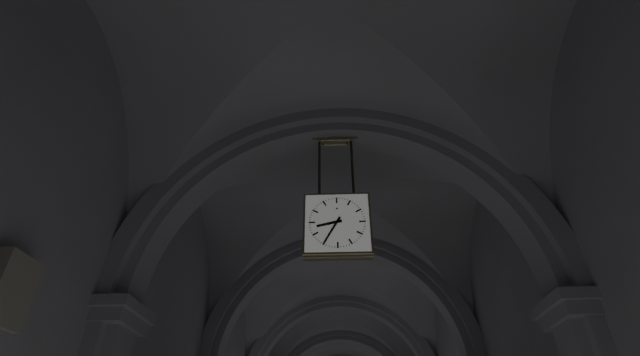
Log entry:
8 h 35 min
